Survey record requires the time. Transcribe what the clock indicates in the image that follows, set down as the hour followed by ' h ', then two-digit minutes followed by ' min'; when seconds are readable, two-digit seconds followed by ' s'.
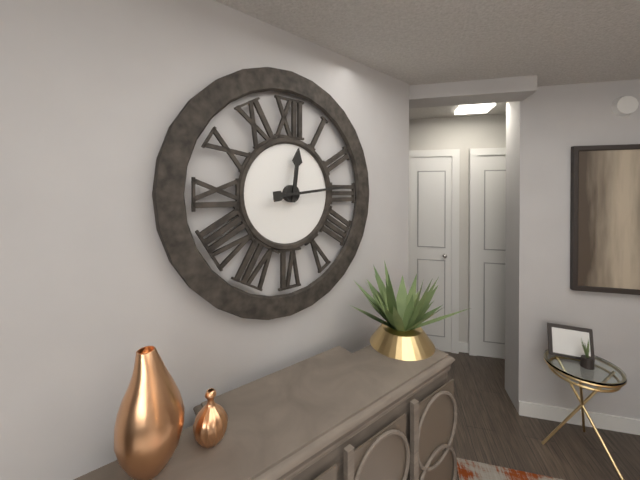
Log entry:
12 h 14 min
